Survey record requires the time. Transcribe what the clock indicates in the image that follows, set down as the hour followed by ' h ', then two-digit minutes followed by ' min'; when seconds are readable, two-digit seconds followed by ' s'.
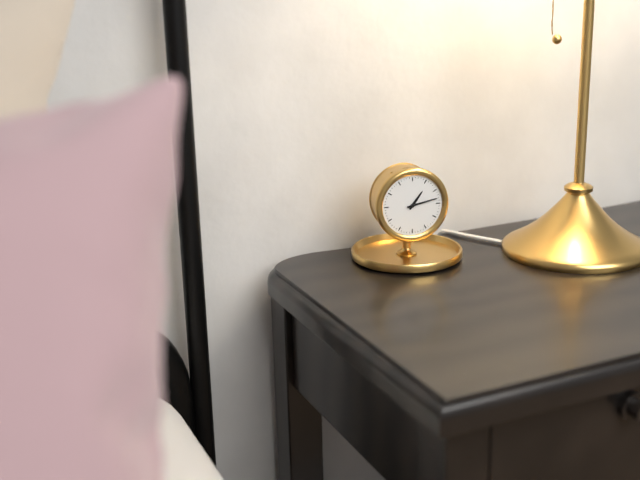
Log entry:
1 h 13 min
